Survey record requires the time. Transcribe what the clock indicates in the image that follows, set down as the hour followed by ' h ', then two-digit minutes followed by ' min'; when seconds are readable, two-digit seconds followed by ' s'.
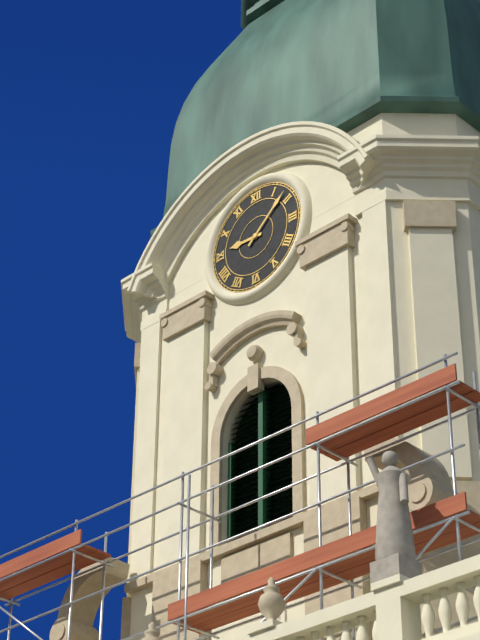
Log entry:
9 h 08 min
